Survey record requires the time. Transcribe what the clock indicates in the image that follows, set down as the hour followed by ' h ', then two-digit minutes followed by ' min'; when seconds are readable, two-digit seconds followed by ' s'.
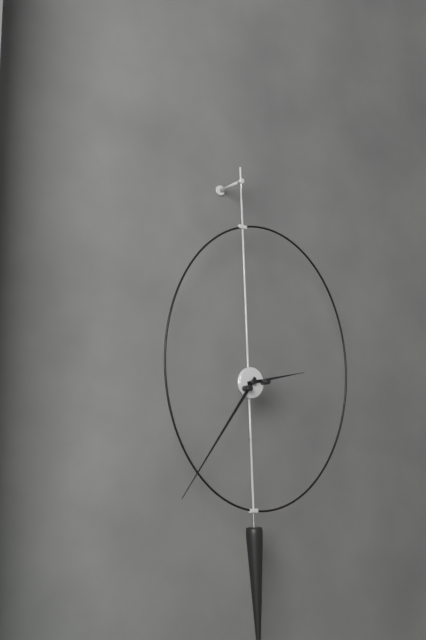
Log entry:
2 h 36 min
